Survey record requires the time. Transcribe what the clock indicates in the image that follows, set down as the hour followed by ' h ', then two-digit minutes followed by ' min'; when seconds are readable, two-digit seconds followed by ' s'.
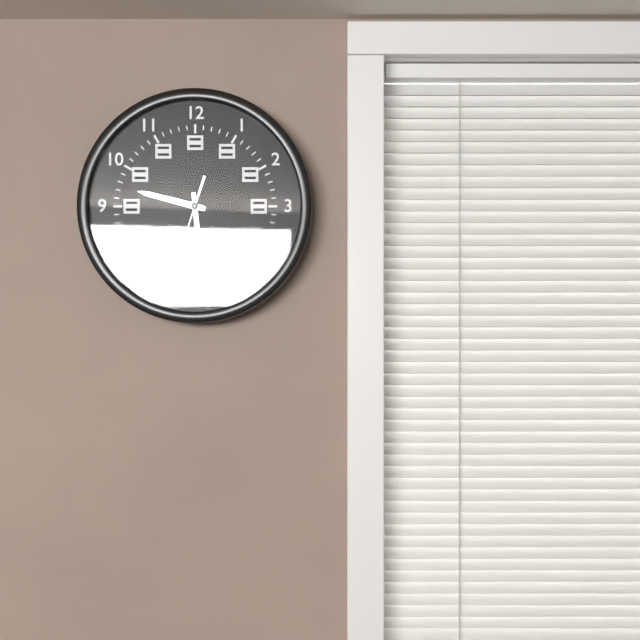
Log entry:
9 h 29 min 33 s
